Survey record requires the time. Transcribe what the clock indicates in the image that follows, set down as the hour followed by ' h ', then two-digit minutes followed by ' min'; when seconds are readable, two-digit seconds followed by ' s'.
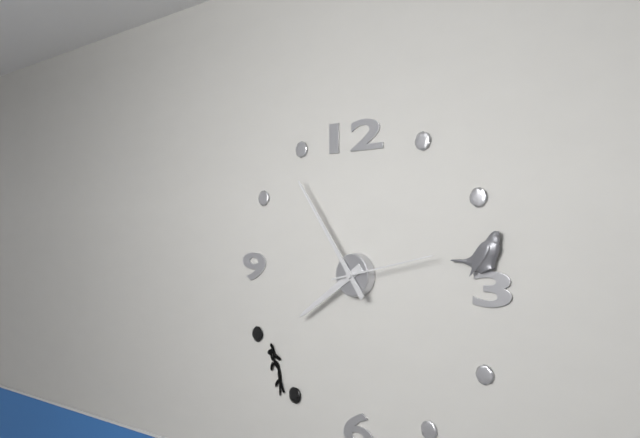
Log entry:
7 h 54 min 13 s
